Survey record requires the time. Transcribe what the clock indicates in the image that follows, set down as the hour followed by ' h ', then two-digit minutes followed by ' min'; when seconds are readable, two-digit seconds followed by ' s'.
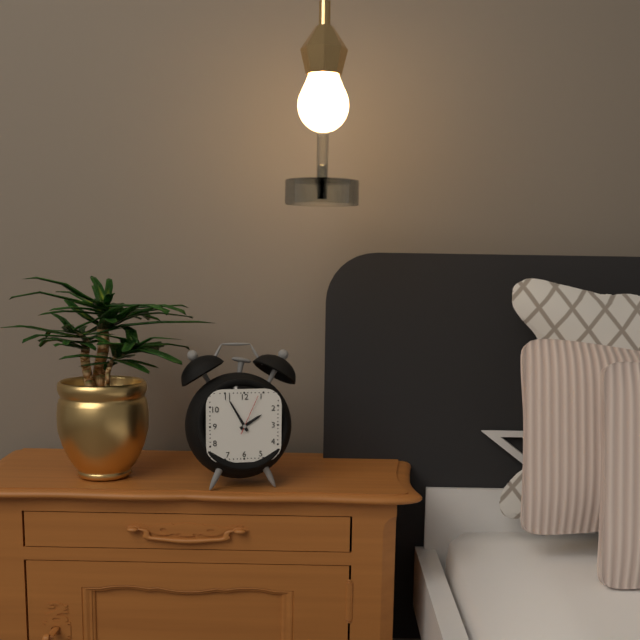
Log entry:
1 h 55 min
